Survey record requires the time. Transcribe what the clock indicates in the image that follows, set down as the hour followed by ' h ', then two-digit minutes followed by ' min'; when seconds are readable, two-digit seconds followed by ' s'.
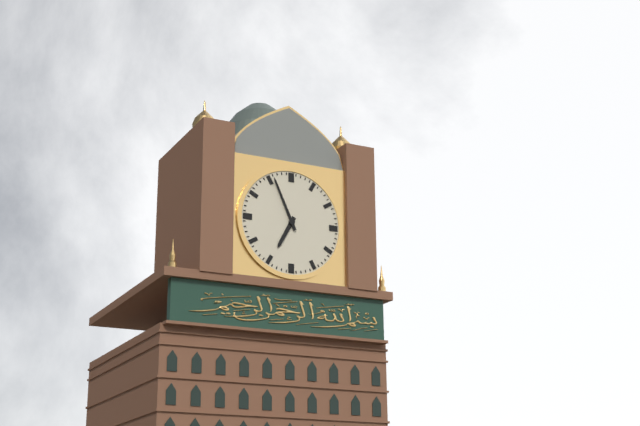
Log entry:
6 h 56 min
